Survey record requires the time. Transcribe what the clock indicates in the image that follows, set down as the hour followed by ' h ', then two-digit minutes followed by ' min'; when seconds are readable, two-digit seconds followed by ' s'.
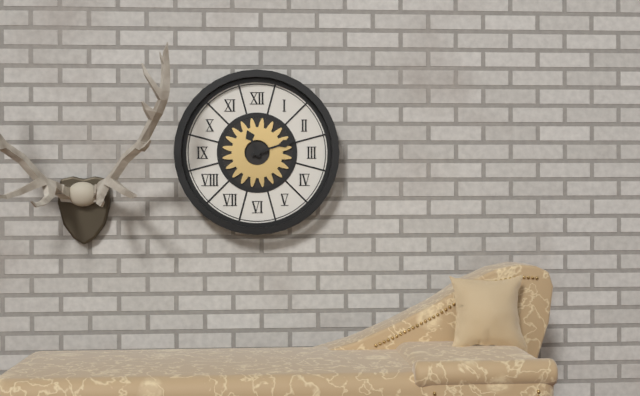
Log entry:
11 h 12 min
